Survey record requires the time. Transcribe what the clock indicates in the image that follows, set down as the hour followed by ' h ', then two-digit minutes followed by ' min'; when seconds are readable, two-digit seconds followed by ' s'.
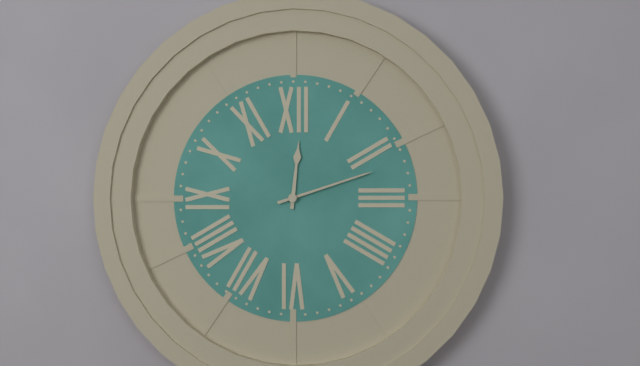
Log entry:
12 h 12 min
